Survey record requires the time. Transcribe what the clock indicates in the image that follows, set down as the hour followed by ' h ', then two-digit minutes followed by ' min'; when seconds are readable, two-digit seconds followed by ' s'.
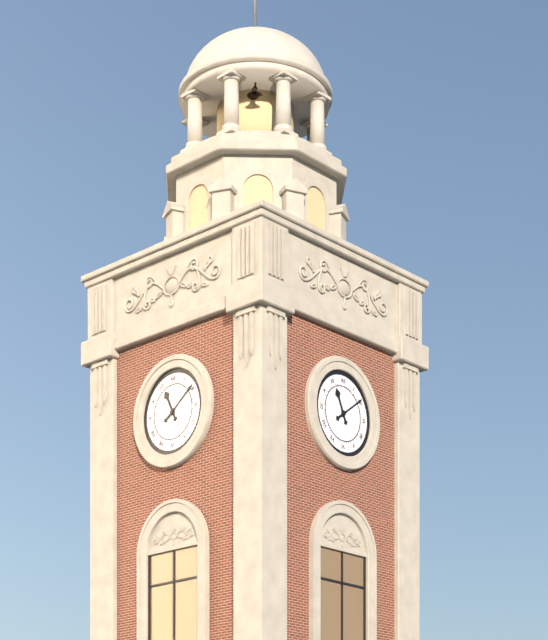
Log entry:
11 h 09 min
